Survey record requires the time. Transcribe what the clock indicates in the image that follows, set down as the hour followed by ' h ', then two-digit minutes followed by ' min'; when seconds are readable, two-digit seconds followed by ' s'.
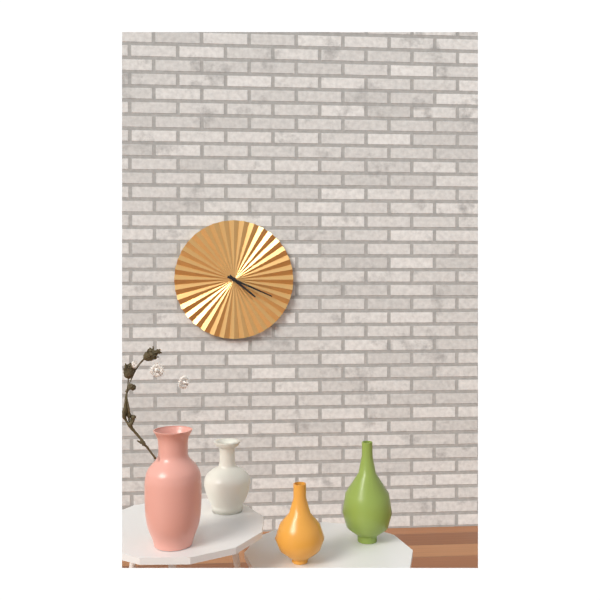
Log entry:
4 h 19 min
